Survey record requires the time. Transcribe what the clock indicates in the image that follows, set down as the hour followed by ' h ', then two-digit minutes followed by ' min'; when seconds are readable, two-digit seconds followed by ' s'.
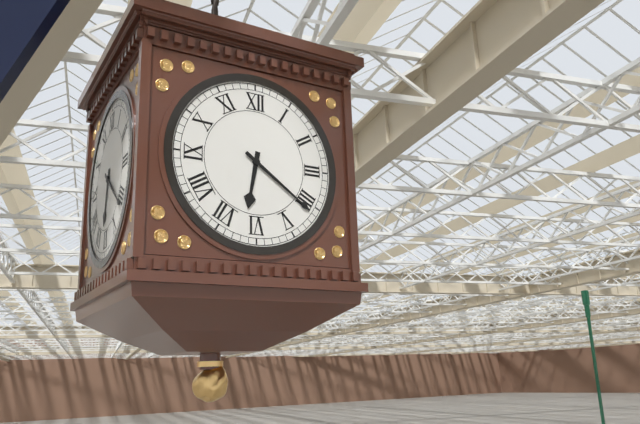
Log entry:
6 h 21 min
